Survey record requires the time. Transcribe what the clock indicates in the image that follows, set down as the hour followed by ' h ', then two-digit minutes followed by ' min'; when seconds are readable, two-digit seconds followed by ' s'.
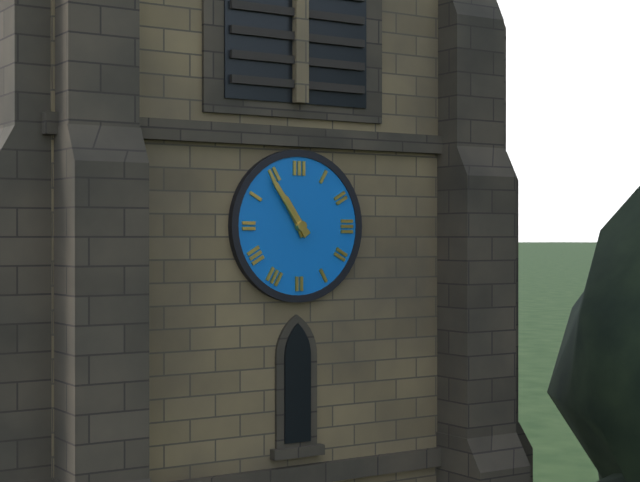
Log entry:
10 h 54 min
